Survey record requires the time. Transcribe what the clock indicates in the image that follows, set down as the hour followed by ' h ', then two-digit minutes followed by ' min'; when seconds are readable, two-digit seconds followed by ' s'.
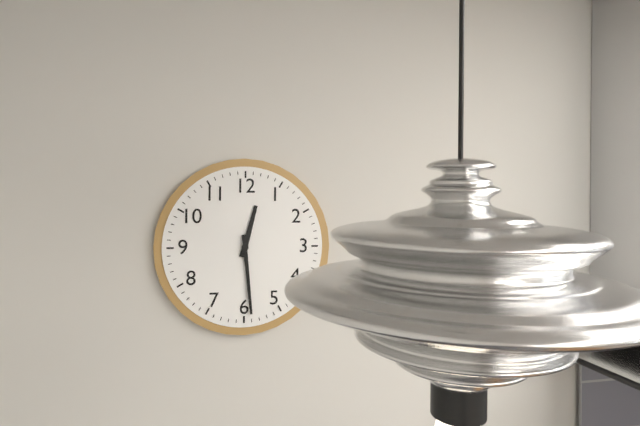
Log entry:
12 h 29 min
